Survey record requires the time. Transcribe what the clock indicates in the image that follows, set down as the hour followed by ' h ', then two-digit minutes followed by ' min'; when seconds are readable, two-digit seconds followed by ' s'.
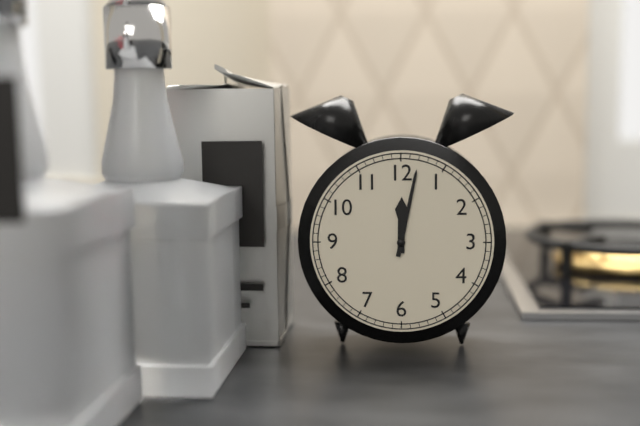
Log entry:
12 h 02 min
